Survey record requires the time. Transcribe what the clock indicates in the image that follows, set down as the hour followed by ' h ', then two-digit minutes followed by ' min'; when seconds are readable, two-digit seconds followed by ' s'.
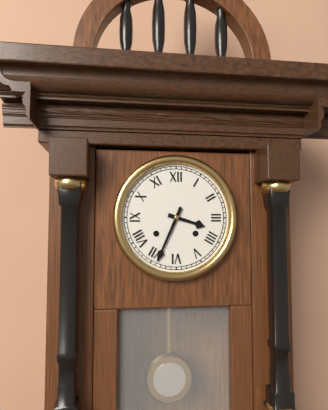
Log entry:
3 h 34 min
